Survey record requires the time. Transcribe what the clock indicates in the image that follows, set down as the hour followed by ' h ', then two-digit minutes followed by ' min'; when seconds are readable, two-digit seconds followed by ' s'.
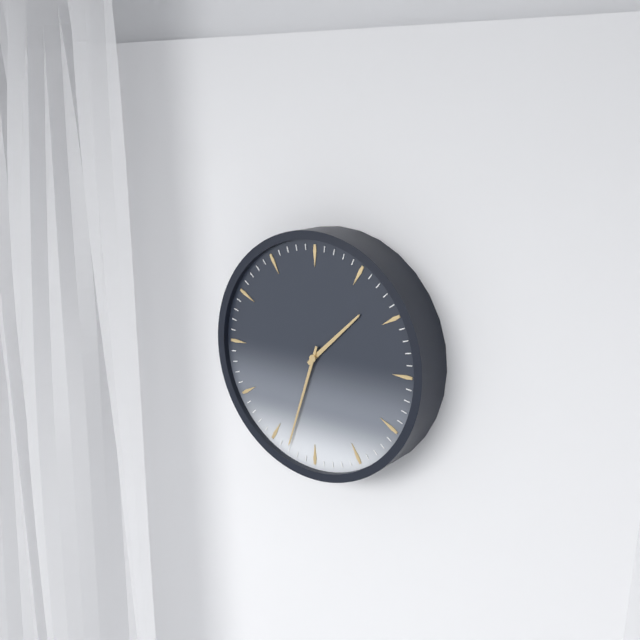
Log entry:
1 h 33 min
